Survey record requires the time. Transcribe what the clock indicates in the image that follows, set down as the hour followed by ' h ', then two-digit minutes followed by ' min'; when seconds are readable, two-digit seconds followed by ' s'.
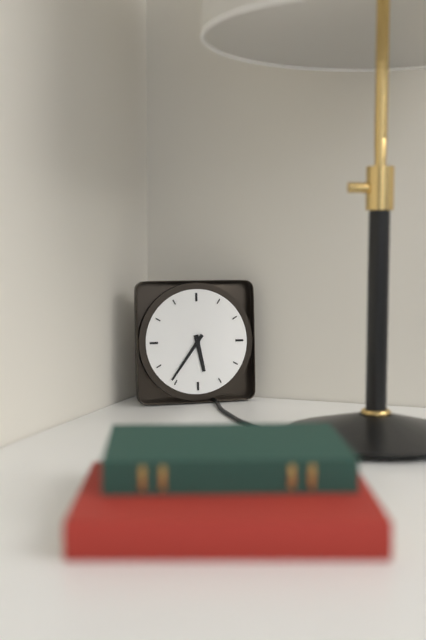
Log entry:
5 h 36 min
